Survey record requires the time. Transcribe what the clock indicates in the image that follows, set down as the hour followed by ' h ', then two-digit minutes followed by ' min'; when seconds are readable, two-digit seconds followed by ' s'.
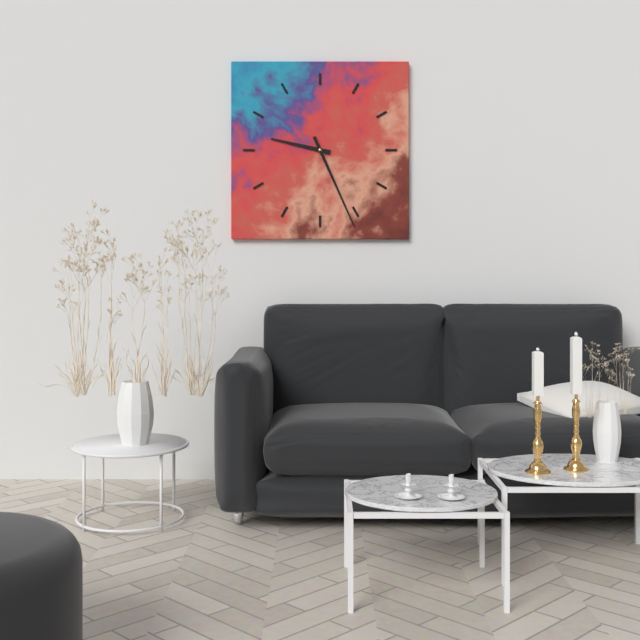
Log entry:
9 h 26 min
